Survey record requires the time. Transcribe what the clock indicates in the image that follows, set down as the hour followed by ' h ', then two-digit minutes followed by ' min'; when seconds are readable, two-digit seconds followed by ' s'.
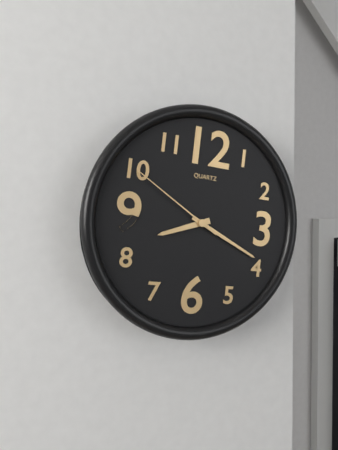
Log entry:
8 h 19 min 50 s
